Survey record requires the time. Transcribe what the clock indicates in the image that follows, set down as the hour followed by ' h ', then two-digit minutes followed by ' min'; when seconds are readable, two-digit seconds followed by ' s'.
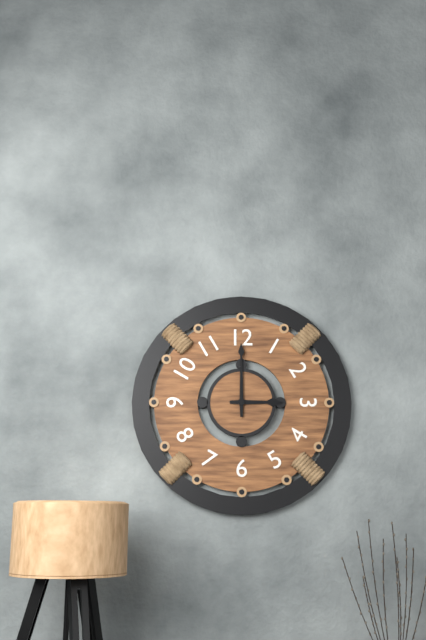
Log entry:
3 h 00 min
